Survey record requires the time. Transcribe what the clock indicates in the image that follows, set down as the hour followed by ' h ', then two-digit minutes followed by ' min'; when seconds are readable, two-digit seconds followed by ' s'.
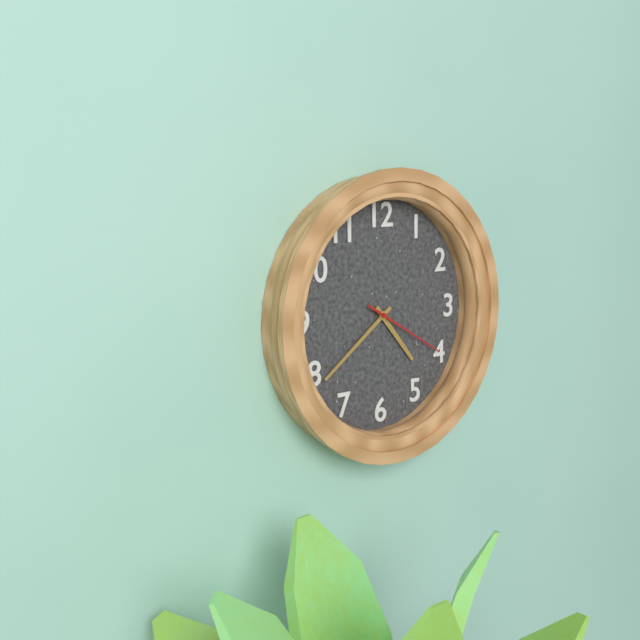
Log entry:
4 h 39 min 20 s
